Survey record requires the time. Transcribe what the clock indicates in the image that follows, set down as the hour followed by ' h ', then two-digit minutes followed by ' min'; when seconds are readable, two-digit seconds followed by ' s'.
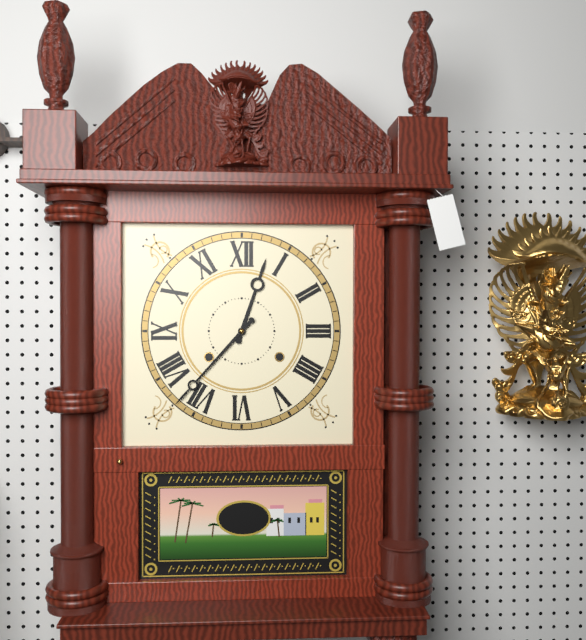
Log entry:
12 h 37 min
